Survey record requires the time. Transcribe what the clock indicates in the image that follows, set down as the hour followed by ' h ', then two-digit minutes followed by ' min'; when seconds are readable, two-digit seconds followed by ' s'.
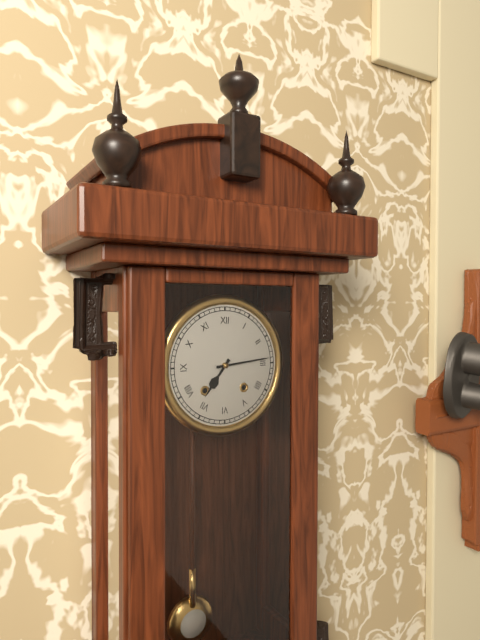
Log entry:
7 h 14 min
